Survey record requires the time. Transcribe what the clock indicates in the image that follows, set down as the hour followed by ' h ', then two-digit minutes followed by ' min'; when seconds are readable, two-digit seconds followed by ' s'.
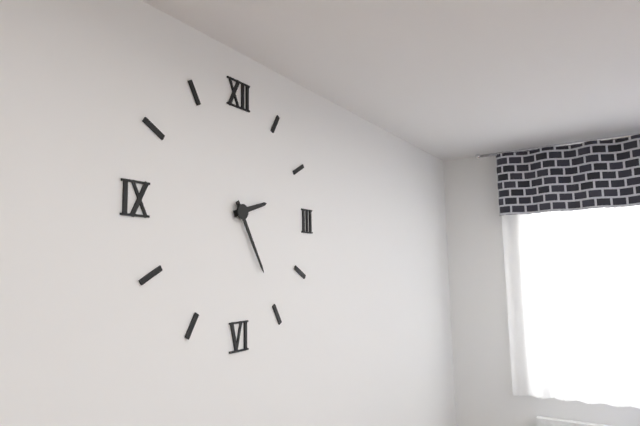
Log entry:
2 h 25 min
